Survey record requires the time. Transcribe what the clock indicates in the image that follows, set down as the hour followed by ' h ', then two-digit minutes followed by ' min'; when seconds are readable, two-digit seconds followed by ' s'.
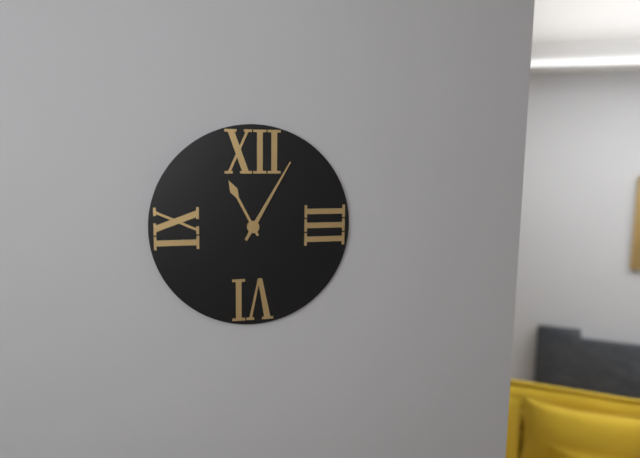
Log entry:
11 h 05 min
